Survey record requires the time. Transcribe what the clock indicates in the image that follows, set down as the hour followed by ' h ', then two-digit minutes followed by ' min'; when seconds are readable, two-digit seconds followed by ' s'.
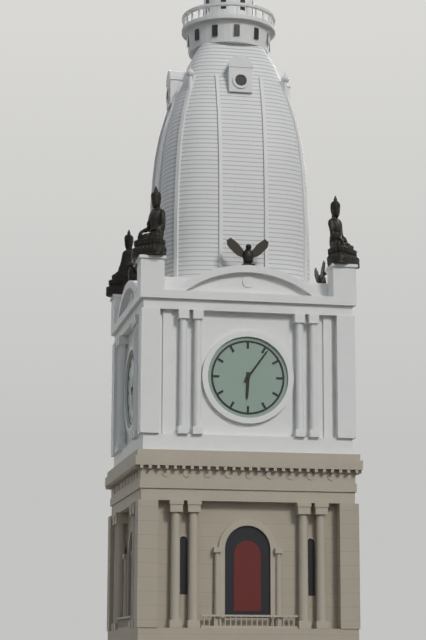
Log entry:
6 h 06 min
